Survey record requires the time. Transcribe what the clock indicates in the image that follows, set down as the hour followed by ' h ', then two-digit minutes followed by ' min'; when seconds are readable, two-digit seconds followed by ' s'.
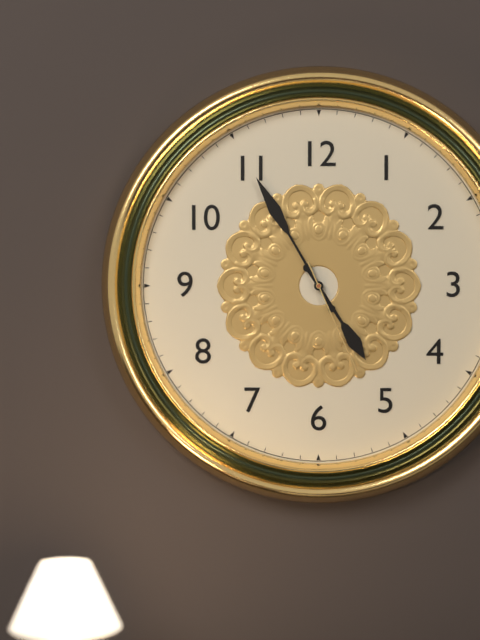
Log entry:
4 h 55 min 26 s
